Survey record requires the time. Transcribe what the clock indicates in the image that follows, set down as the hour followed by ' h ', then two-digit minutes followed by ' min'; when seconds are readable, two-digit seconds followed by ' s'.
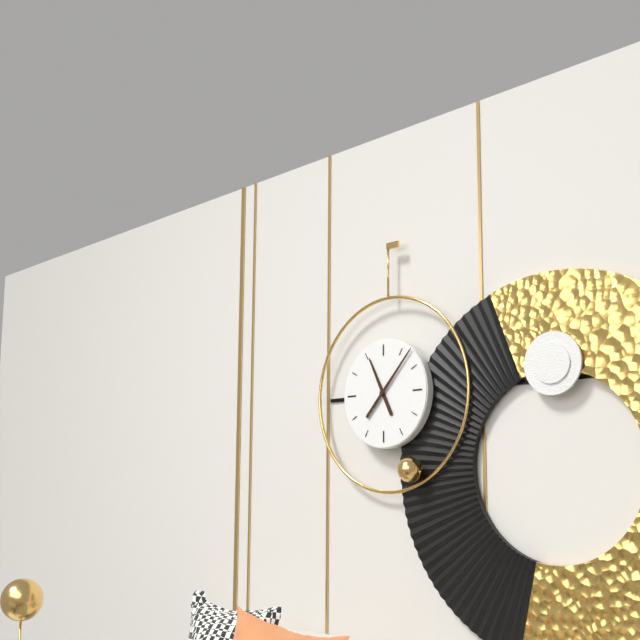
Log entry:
11 h 07 min
